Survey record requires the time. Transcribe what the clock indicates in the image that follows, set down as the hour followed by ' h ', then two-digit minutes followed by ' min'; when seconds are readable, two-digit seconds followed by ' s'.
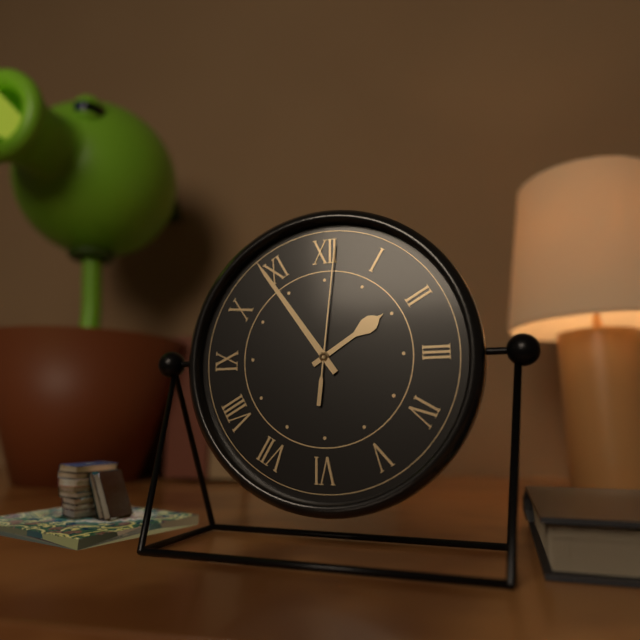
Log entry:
1 h 54 min 01 s
